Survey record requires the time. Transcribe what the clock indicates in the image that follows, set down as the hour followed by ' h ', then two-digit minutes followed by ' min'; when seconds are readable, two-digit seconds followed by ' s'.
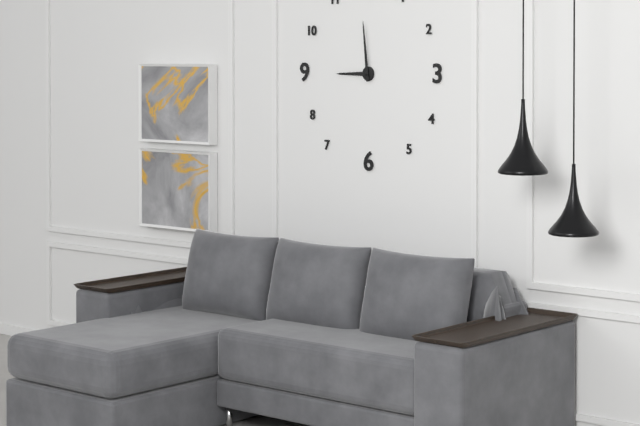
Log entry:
8 h 59 min
